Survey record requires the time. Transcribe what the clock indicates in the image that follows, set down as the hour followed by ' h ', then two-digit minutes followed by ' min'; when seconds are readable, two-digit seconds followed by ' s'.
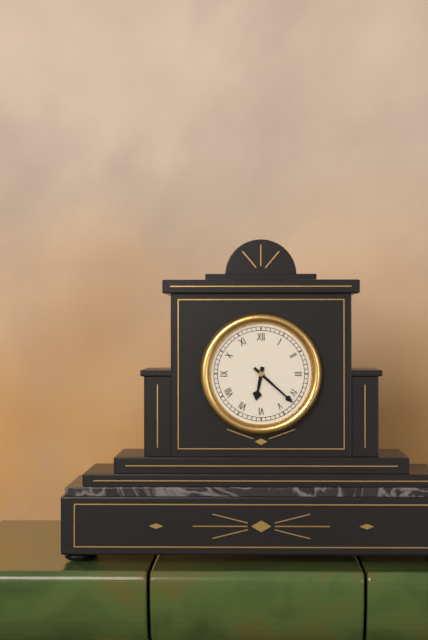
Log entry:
6 h 22 min
